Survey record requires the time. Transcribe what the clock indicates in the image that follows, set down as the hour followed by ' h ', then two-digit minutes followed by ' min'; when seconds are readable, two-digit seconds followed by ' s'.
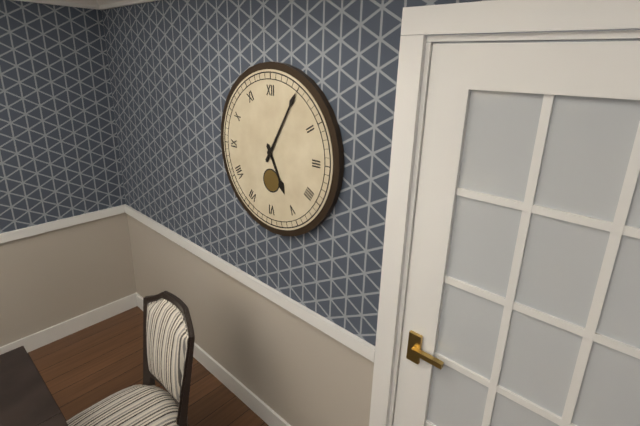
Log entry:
5 h 05 min
